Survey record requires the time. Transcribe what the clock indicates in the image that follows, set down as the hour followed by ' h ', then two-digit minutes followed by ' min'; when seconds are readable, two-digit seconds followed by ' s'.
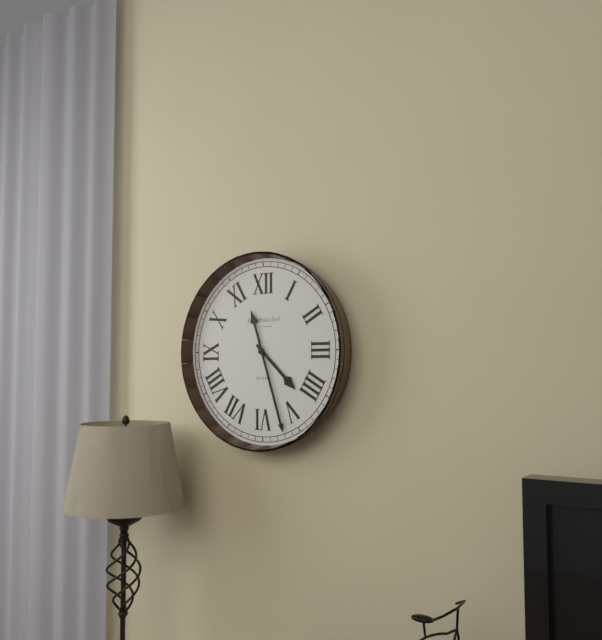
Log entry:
4 h 27 min
